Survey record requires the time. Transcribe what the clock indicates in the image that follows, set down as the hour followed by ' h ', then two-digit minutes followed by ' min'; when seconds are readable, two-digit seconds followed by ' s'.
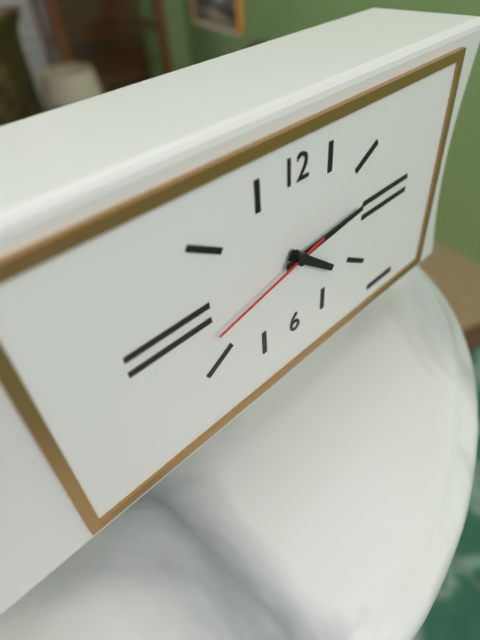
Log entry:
4 h 14 min 43 s
